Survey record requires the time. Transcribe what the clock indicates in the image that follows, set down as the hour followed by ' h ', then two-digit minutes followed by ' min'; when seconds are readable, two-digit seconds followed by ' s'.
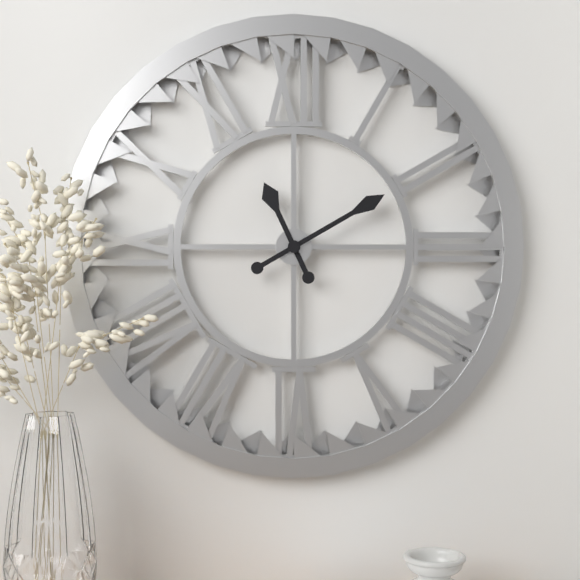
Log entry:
11 h 10 min
